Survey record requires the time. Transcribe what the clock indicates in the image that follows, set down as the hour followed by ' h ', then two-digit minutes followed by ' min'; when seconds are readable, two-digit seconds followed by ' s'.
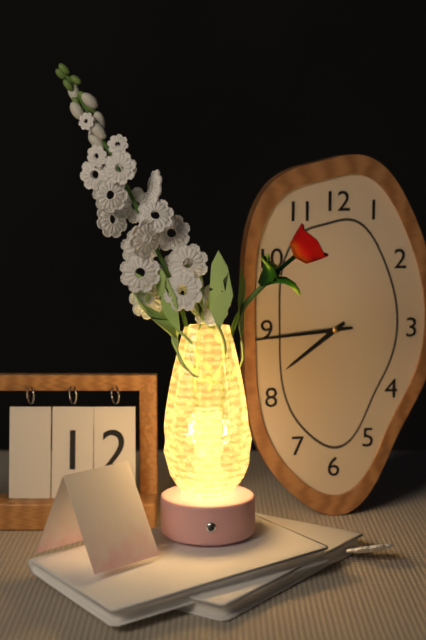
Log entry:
7 h 44 min
